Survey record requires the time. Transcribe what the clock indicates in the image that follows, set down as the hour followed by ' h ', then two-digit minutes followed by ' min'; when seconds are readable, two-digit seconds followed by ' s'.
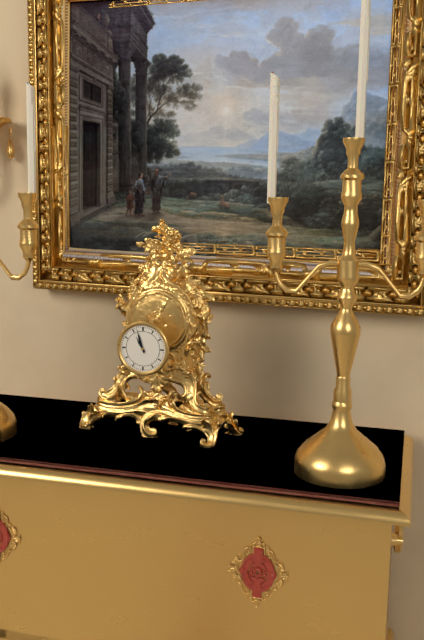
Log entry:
10 h 57 min
